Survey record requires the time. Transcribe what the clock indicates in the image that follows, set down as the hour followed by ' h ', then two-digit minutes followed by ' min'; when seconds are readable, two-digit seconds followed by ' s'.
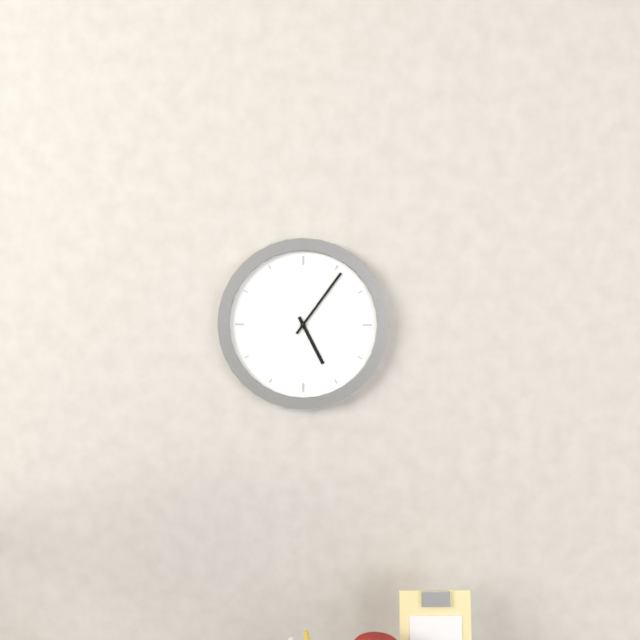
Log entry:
5 h 06 min
